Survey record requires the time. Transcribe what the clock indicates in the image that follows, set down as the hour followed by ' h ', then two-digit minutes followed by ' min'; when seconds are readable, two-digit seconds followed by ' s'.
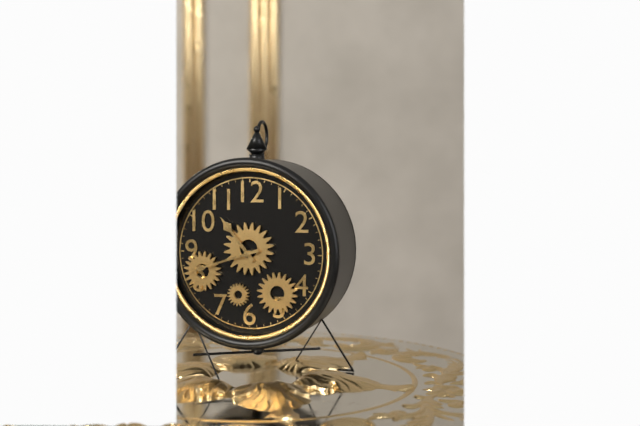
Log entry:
10 h 42 min
